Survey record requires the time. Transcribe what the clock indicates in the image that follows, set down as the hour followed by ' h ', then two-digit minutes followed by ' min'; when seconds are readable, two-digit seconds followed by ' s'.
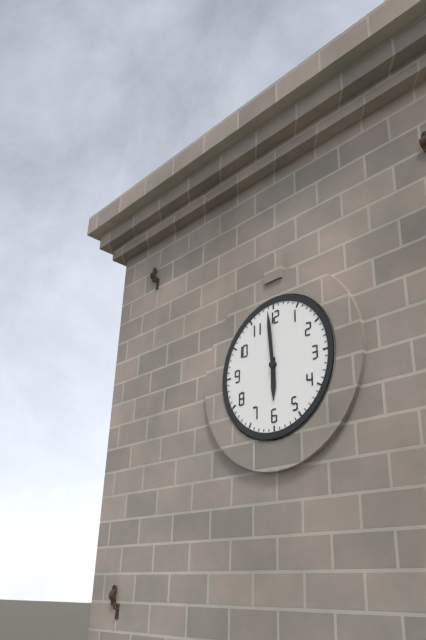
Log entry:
5 h 59 min
